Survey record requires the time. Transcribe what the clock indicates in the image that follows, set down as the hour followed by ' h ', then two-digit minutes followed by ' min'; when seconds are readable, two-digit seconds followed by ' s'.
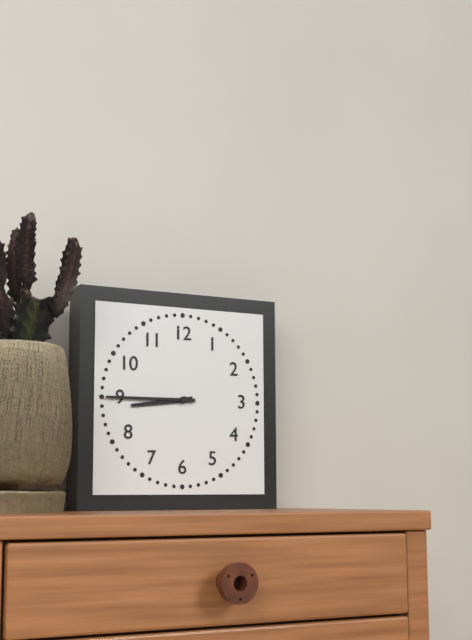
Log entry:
8 h 45 min
